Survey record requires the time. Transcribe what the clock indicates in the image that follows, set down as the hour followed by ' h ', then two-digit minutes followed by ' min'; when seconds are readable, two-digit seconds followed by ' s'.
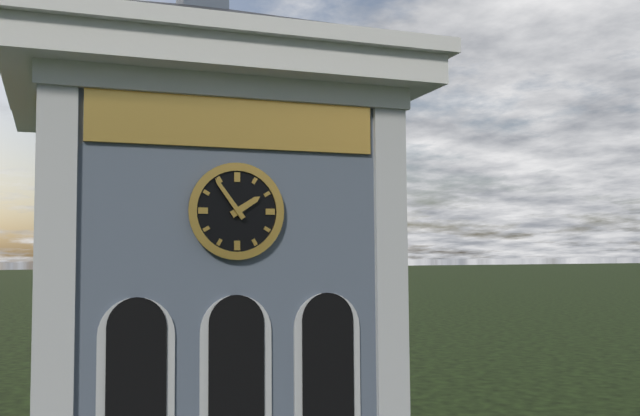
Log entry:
1 h 54 min
